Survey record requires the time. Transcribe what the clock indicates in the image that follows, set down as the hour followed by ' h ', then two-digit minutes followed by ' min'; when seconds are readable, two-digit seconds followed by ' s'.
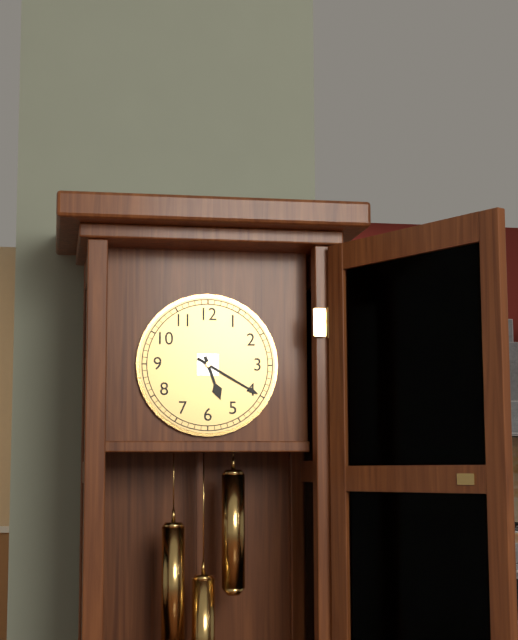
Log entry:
5 h 20 min
